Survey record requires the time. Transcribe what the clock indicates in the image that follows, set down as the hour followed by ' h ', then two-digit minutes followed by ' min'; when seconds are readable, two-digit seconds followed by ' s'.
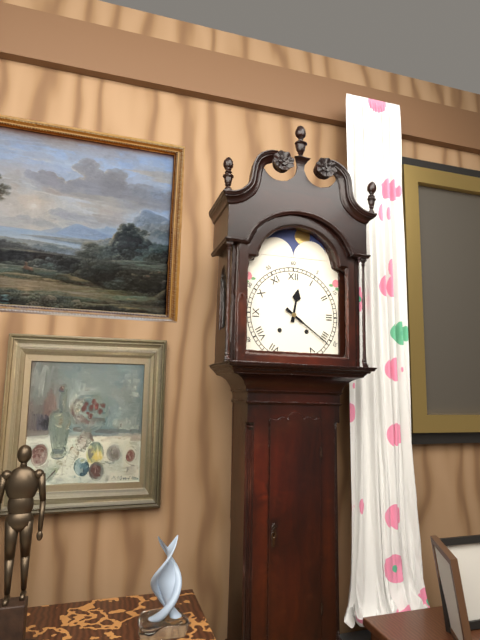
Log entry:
12 h 21 min
